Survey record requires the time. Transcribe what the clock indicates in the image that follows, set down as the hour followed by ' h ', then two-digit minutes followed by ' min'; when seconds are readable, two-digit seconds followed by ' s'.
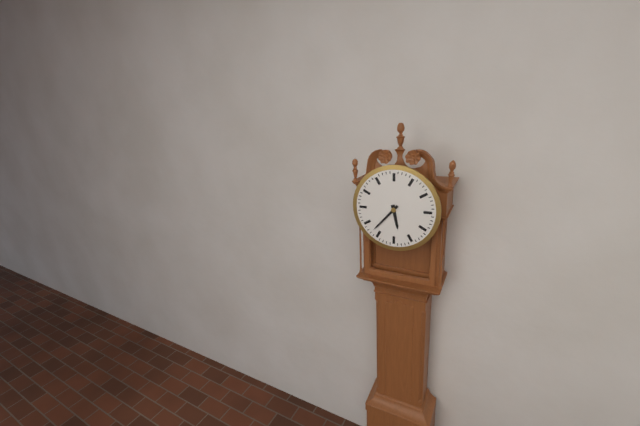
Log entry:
5 h 37 min
